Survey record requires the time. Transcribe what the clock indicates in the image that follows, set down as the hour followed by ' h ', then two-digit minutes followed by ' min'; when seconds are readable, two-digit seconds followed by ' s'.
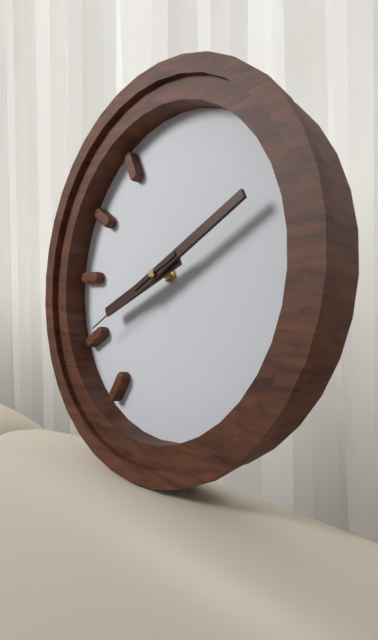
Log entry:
8 h 10 min 40 s
